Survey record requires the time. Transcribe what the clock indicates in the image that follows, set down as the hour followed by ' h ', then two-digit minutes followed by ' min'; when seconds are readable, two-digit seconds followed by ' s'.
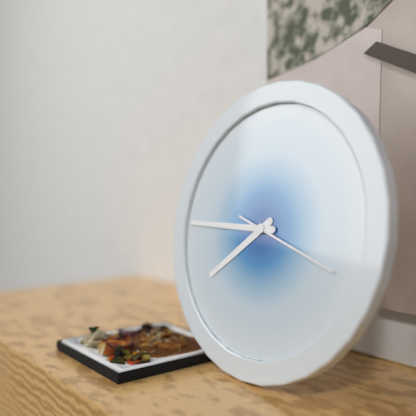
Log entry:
7 h 45 min 18 s
